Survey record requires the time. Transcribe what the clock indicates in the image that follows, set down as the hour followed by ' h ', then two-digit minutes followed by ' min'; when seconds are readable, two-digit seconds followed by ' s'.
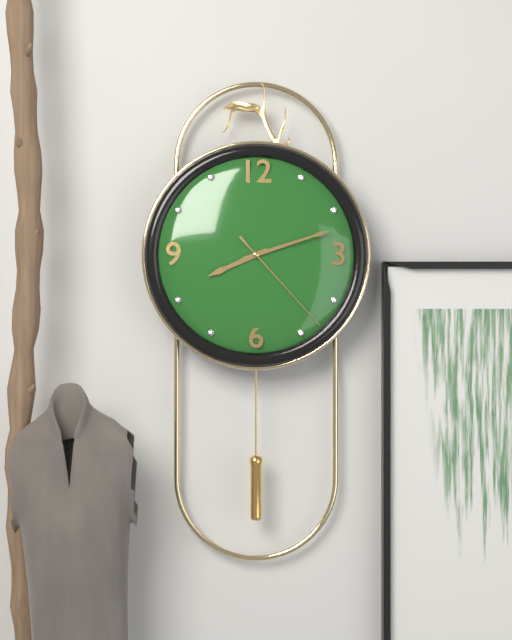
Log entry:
8 h 12 min 23 s
